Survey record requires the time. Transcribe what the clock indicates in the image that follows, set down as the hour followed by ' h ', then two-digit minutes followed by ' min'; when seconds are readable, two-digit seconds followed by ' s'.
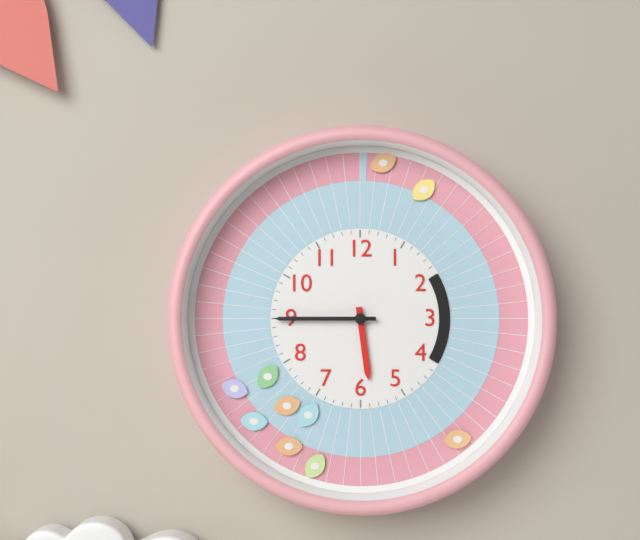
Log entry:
5 h 45 min
